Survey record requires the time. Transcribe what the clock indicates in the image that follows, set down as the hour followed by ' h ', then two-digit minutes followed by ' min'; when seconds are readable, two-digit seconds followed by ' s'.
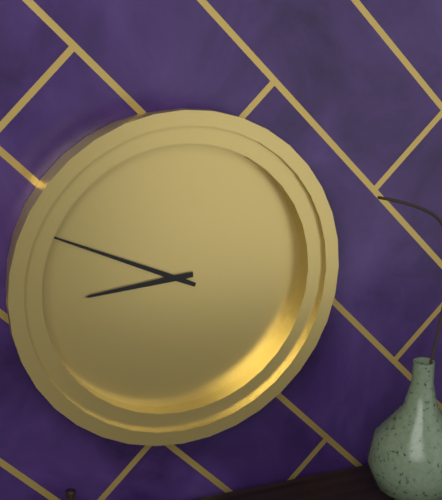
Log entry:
8 h 49 min
